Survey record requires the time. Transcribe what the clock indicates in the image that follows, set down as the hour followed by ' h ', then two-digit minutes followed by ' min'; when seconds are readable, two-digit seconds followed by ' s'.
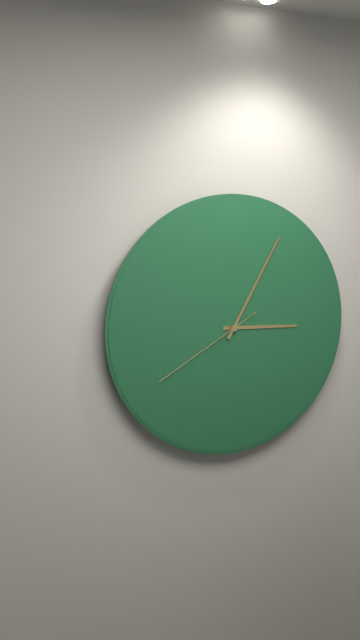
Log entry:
3 h 05 min 40 s
